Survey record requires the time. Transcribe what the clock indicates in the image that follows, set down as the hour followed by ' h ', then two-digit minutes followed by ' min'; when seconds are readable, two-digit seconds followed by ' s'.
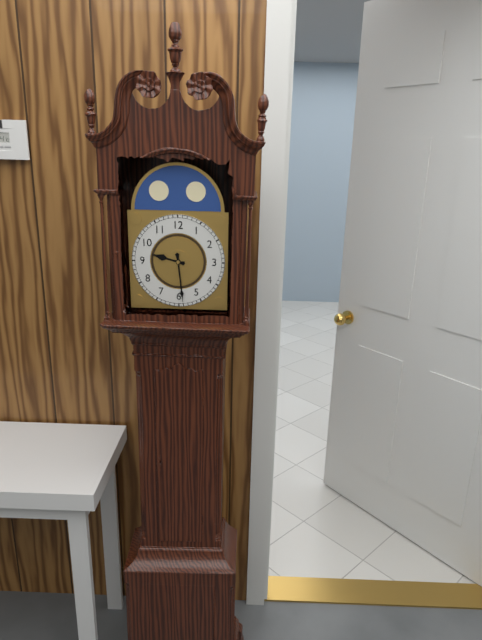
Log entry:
9 h 29 min
